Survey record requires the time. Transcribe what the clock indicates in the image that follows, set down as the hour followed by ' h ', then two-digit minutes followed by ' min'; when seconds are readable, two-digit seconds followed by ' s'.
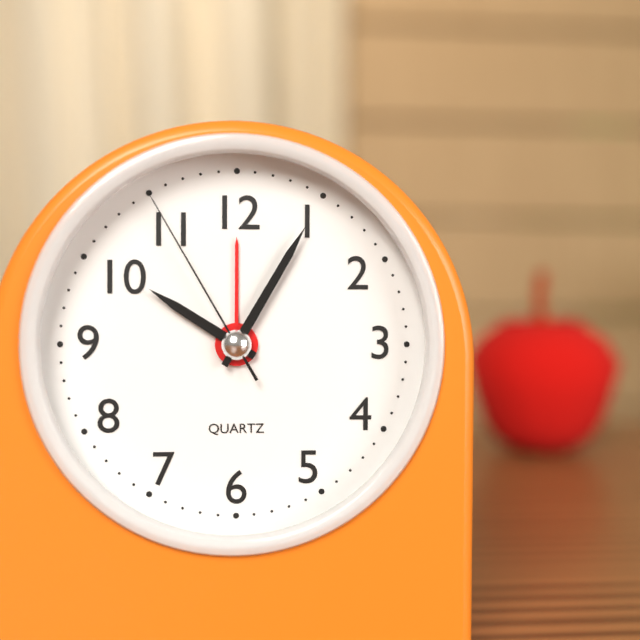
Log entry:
10 h 05 min 55 s
